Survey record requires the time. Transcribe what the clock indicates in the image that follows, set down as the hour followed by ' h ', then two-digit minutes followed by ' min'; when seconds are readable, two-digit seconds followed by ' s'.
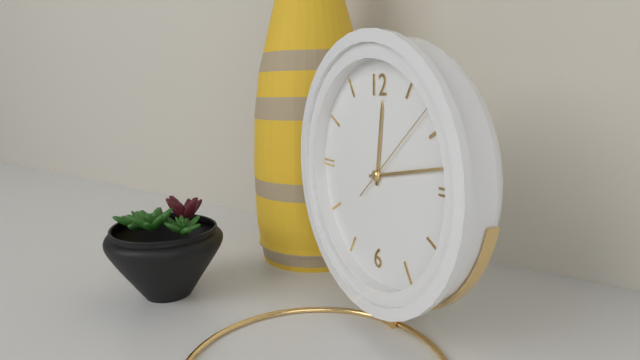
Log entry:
12 h 13 min 08 s
